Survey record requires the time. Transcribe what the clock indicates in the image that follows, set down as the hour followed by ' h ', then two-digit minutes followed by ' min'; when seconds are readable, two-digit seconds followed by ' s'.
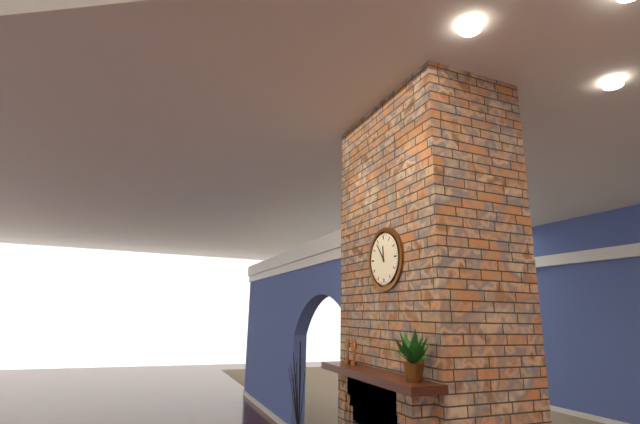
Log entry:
11 h 54 min
